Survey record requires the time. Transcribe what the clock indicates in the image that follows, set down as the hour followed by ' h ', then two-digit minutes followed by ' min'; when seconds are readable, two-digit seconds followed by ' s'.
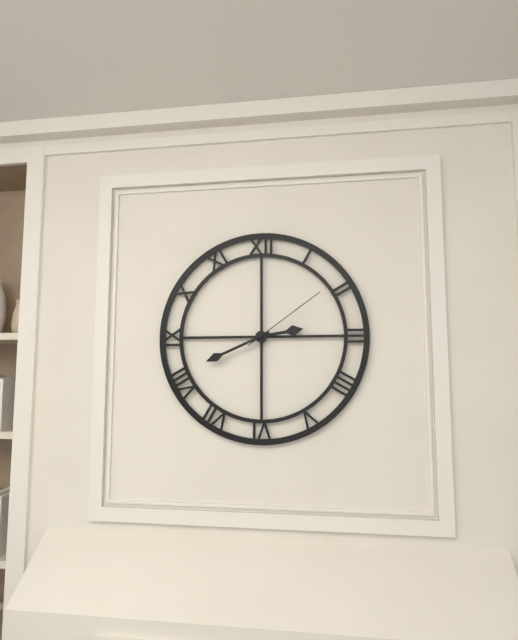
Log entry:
2 h 41 min 09 s
